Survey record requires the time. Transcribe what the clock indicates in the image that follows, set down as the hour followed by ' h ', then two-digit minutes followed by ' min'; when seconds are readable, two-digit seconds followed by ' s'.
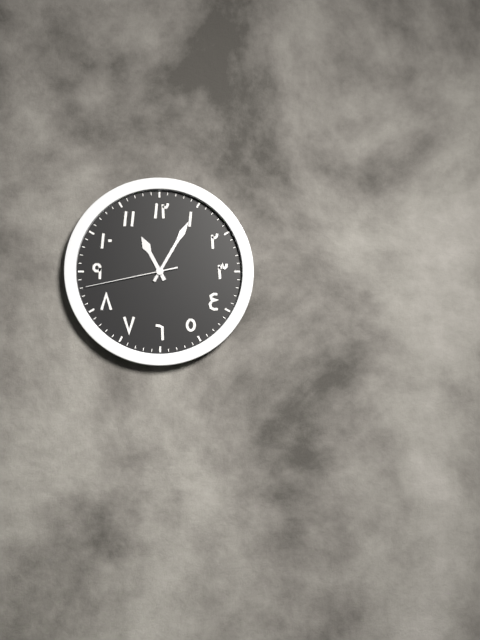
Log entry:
11 h 05 min 43 s
